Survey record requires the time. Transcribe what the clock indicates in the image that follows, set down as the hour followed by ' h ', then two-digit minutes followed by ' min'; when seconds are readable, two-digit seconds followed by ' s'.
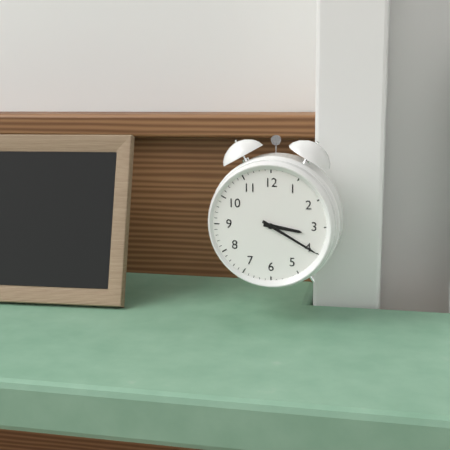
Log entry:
3 h 20 min
